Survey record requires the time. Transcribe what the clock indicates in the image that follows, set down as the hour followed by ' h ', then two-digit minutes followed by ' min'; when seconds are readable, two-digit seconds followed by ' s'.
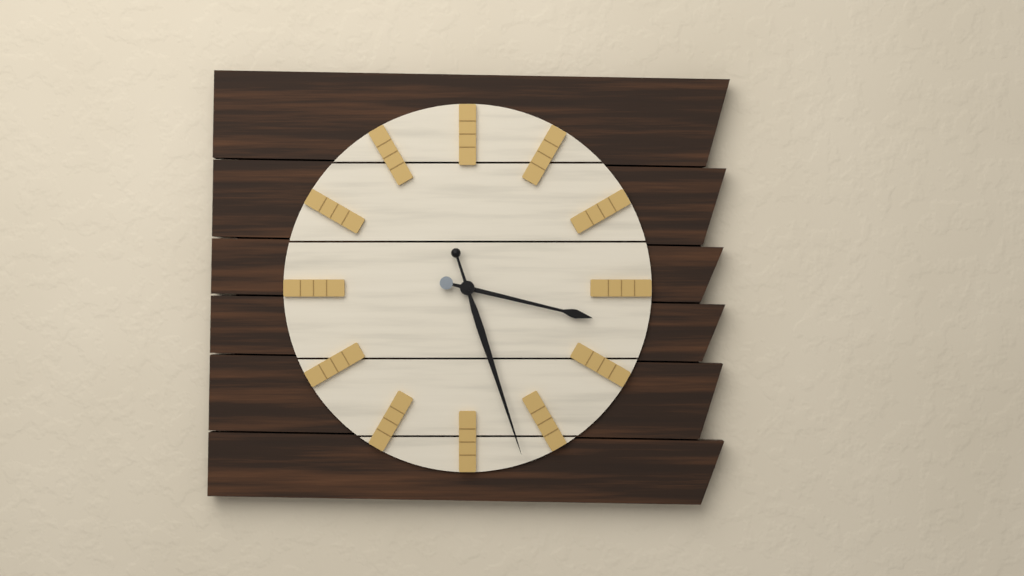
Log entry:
3 h 27 min
